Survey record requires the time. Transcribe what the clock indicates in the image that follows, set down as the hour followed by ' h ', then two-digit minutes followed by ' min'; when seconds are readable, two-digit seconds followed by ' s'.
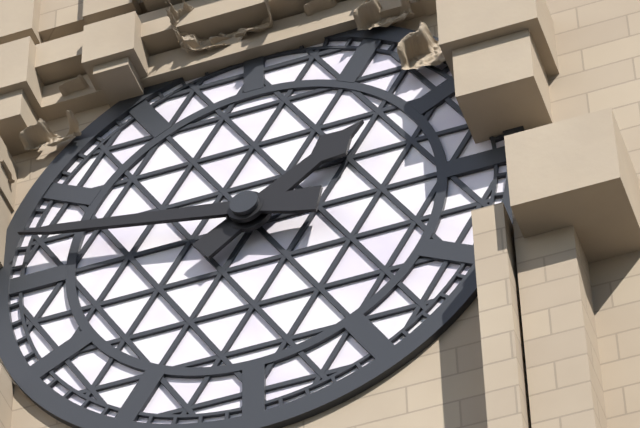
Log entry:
1 h 47 min
